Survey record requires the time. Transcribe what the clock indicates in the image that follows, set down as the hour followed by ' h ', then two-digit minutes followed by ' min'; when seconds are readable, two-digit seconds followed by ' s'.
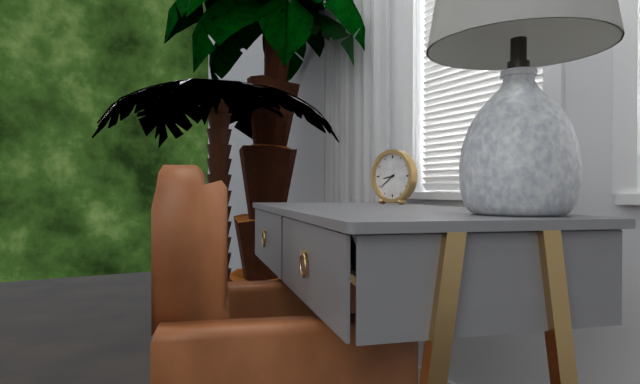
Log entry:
8 h 39 min
